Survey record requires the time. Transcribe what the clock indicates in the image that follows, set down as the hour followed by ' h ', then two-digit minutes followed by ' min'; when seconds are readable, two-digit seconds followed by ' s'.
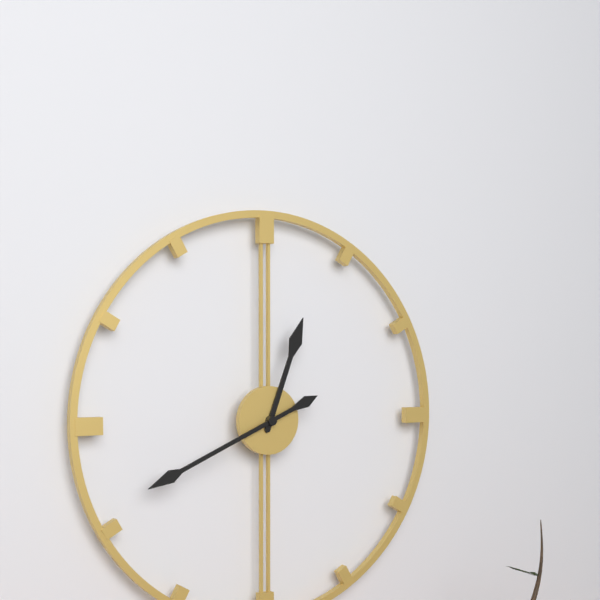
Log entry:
12 h 41 min
